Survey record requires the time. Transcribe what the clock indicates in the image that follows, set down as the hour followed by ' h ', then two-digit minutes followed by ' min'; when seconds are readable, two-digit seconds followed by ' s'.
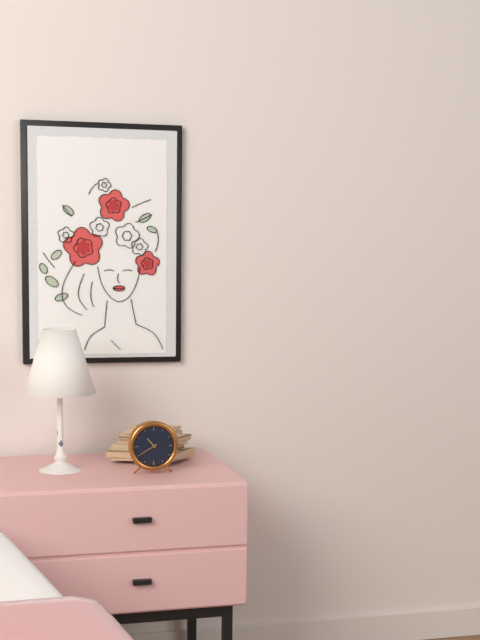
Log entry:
10 h 40 min
